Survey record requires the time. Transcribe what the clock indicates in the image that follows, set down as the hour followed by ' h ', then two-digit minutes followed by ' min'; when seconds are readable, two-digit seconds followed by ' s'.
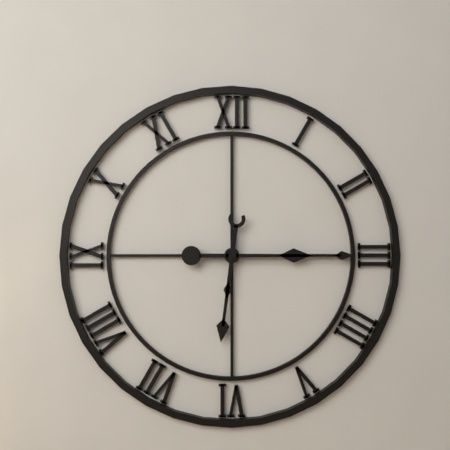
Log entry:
6 h 15 min
